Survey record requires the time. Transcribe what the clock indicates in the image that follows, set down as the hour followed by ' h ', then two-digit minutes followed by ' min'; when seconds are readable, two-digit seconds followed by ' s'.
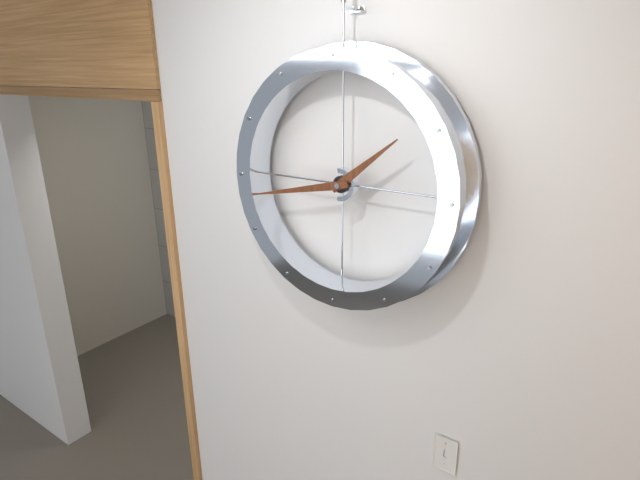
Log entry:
1 h 43 min
